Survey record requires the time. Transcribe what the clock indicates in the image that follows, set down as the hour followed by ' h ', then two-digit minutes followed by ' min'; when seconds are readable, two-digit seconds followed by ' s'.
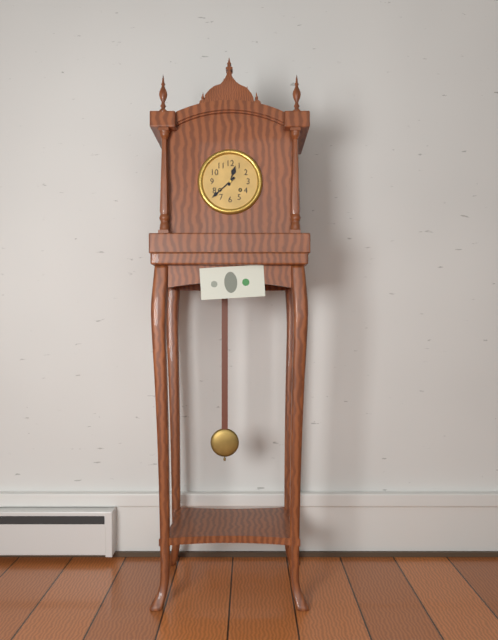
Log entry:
12 h 38 min
